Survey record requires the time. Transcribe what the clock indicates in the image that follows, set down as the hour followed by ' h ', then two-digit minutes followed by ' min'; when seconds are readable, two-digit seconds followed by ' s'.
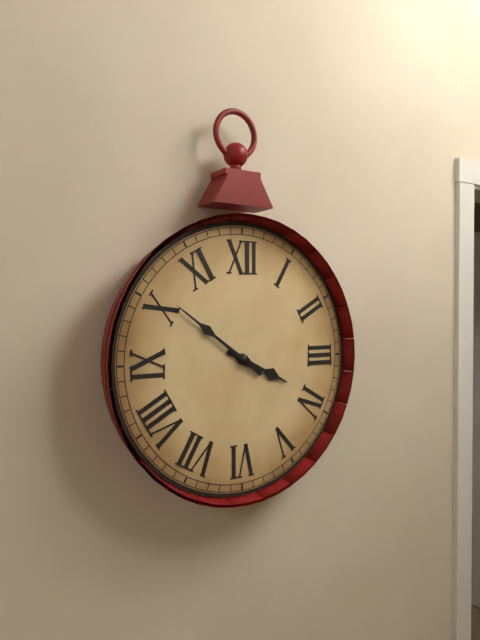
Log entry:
3 h 51 min
